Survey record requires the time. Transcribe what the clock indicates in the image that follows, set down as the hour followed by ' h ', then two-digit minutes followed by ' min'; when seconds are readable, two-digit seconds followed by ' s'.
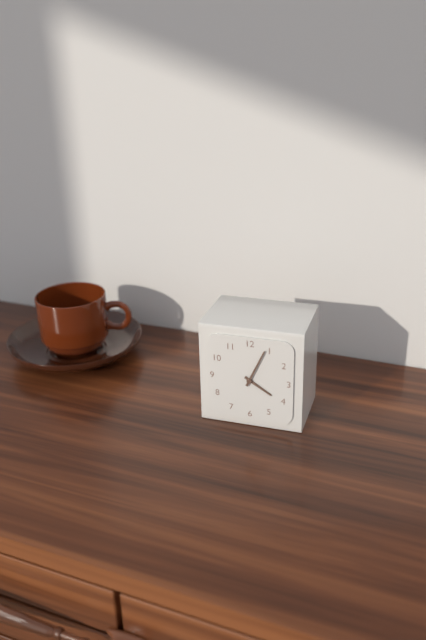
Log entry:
4 h 04 min
